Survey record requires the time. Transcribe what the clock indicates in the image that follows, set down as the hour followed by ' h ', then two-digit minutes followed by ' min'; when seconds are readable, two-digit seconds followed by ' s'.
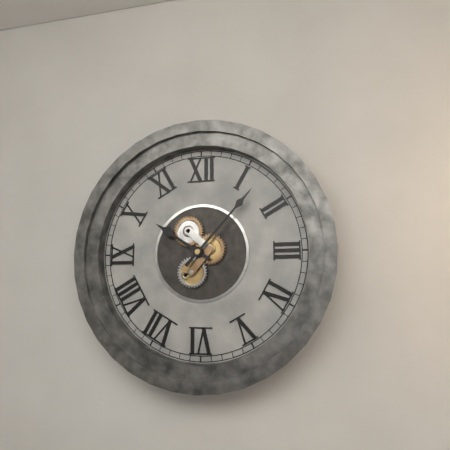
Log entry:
10 h 07 min
